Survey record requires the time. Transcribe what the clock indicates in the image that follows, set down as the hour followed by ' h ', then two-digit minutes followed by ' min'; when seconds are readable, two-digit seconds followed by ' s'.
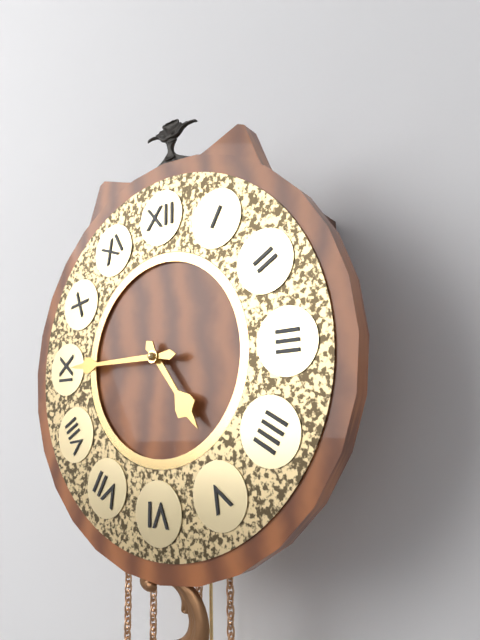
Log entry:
4 h 45 min
